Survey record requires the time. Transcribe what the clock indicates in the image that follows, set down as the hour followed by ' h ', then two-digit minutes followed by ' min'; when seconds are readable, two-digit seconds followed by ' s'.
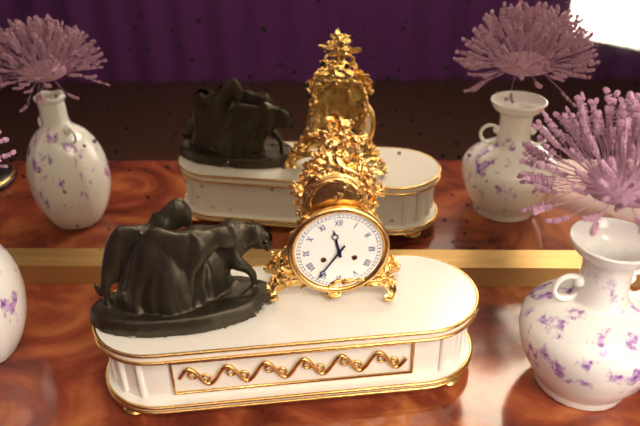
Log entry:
11 h 36 min
